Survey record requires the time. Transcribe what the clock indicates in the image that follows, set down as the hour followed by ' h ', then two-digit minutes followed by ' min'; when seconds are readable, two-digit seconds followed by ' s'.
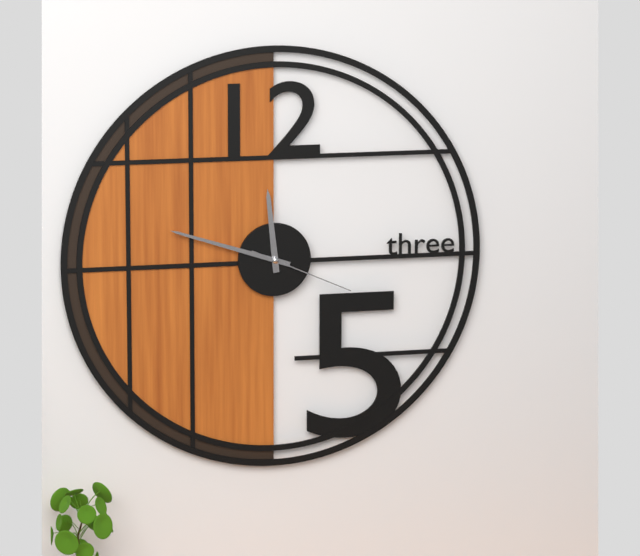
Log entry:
11 h 48 min 19 s
